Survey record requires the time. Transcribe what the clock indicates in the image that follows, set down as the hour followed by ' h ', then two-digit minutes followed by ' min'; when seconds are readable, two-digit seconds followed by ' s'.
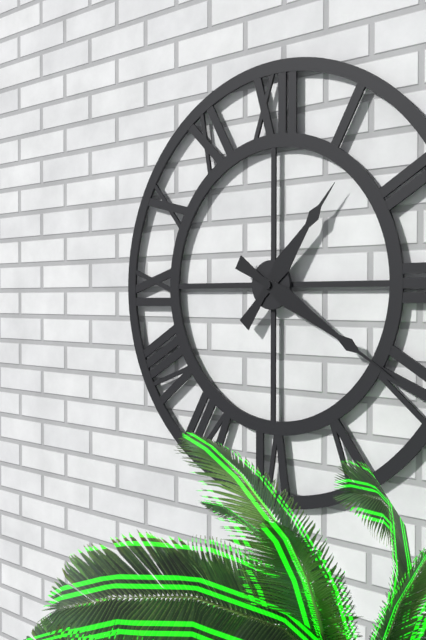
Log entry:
1 h 20 min
